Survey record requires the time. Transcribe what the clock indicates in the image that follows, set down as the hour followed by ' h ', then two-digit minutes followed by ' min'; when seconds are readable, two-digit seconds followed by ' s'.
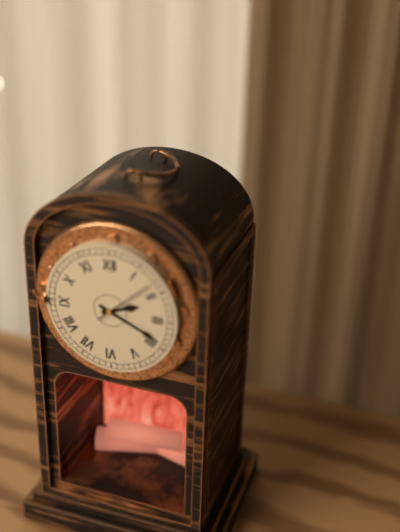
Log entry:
2 h 19 min
